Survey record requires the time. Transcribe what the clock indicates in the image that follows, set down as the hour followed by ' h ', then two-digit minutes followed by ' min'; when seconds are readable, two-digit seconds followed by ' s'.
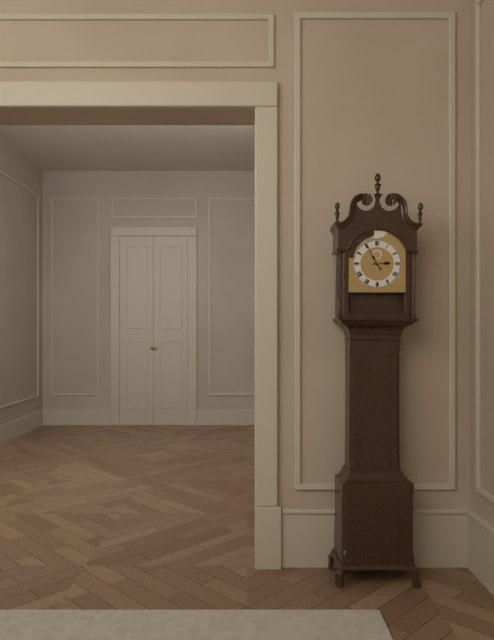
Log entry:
2 h 55 min
